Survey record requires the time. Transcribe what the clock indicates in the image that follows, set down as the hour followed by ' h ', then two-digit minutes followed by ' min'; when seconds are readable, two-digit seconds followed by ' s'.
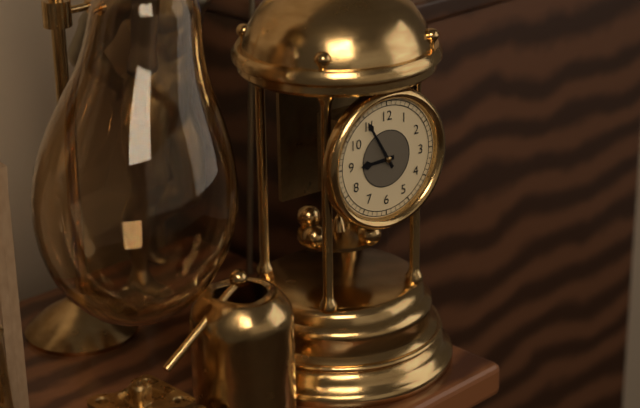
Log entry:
8 h 55 min
